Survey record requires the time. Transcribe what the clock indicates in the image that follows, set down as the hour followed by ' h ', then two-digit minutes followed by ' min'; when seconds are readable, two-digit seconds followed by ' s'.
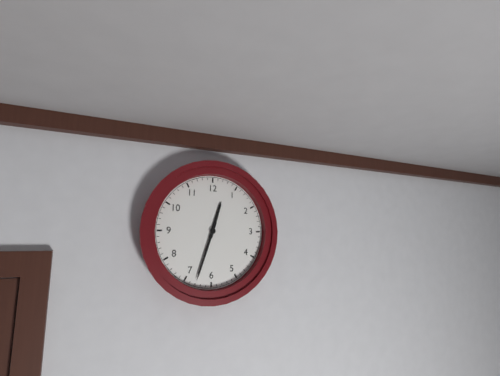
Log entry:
12 h 33 min
